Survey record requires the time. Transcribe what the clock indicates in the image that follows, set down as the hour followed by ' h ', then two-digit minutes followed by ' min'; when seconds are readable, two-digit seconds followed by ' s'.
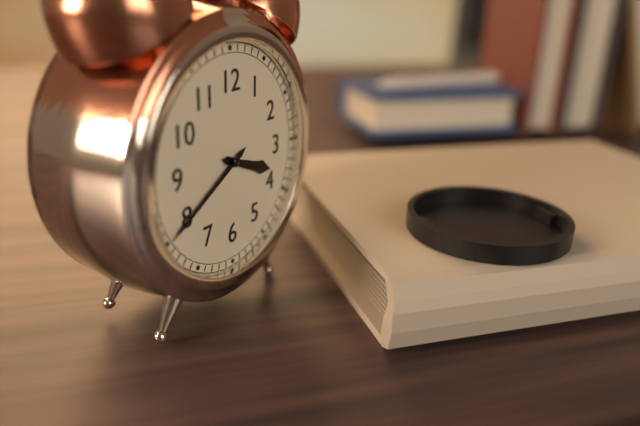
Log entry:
3 h 40 min
